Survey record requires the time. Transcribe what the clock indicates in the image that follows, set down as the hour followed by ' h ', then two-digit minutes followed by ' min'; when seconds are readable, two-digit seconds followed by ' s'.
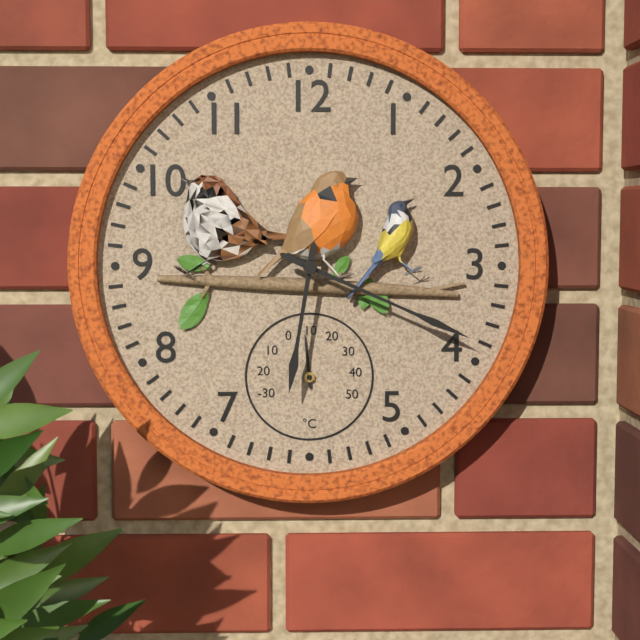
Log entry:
6 h 19 min
